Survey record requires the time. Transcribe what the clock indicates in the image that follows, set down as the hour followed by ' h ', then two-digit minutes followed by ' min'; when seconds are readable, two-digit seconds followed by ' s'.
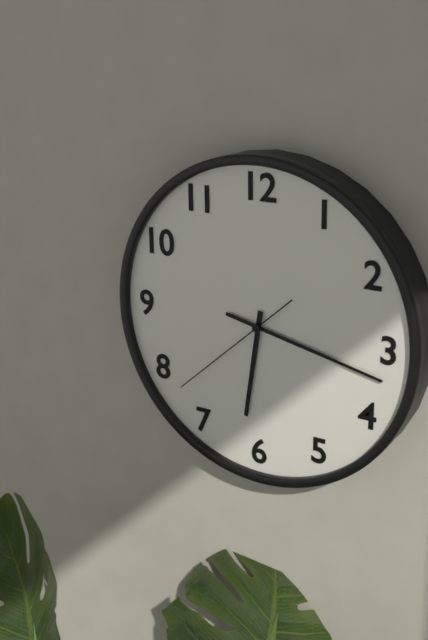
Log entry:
6 h 17 min 38 s
